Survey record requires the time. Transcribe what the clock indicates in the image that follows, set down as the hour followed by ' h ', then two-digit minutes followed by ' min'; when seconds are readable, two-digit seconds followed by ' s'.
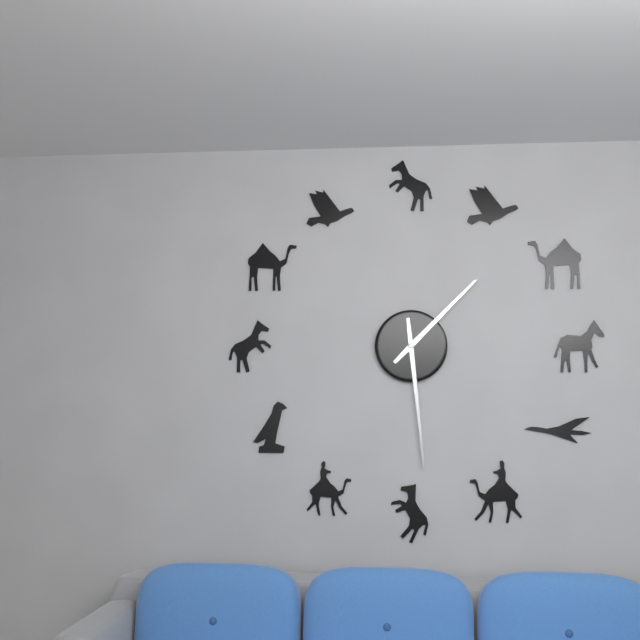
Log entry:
1 h 29 min
